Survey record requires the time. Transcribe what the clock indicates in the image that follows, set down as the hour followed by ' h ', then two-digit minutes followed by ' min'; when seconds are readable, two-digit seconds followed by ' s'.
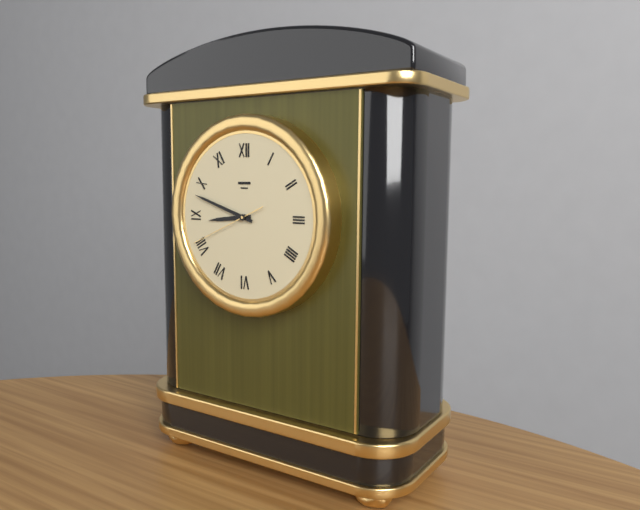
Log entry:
8 h 48 min 41 s
